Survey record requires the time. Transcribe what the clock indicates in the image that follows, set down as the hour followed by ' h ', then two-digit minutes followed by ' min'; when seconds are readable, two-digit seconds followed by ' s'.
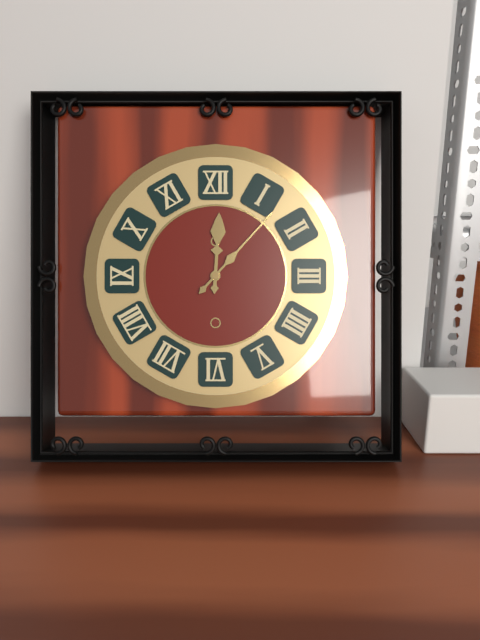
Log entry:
12 h 07 min
